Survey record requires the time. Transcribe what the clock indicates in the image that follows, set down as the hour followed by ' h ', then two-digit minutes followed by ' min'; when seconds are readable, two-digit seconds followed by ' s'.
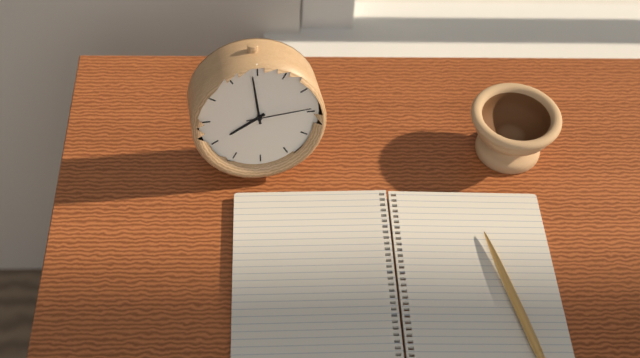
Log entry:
7 h 59 min 14 s
